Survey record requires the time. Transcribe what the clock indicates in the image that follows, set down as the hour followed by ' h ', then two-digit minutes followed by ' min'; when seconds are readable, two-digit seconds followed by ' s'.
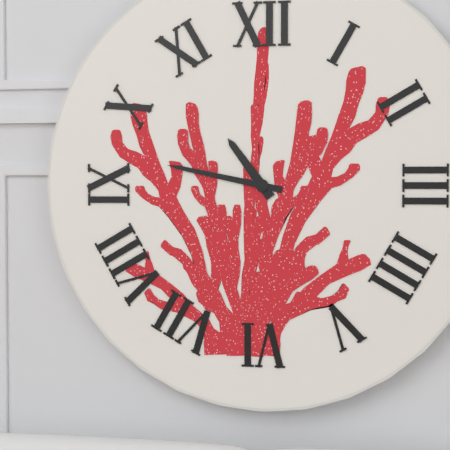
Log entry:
10 h 47 min
